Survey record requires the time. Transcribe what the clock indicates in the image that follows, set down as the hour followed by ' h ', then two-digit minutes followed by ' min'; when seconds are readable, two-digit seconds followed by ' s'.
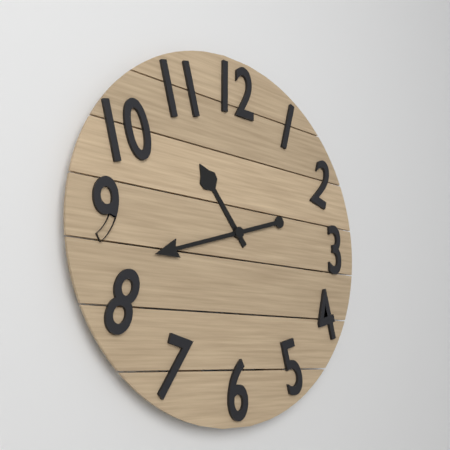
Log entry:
10 h 42 min
